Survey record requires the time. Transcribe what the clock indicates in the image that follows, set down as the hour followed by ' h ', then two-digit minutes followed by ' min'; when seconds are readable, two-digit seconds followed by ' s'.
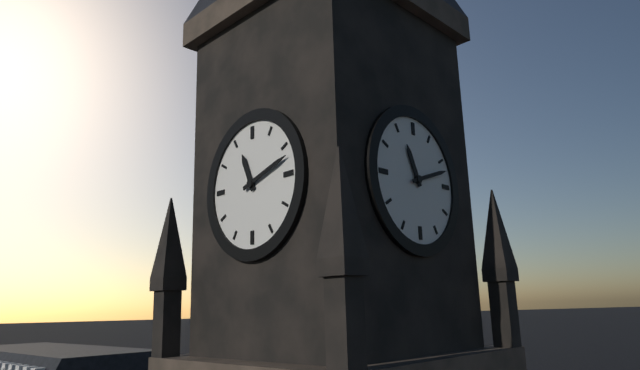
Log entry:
11 h 12 min
